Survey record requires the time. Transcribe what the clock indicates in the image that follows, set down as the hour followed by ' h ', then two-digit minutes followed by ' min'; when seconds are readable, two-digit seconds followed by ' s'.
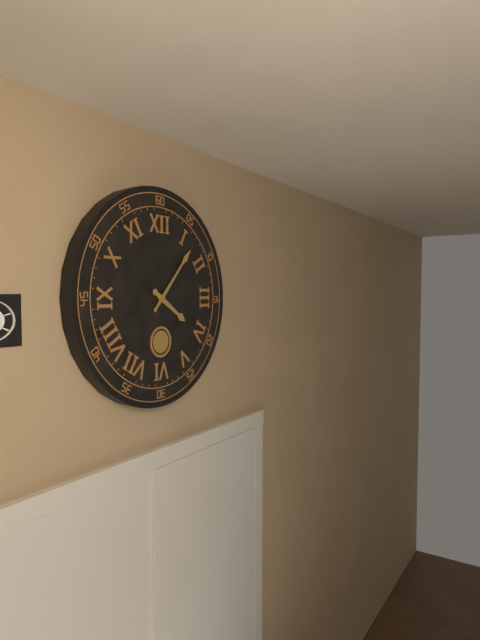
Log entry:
4 h 07 min
